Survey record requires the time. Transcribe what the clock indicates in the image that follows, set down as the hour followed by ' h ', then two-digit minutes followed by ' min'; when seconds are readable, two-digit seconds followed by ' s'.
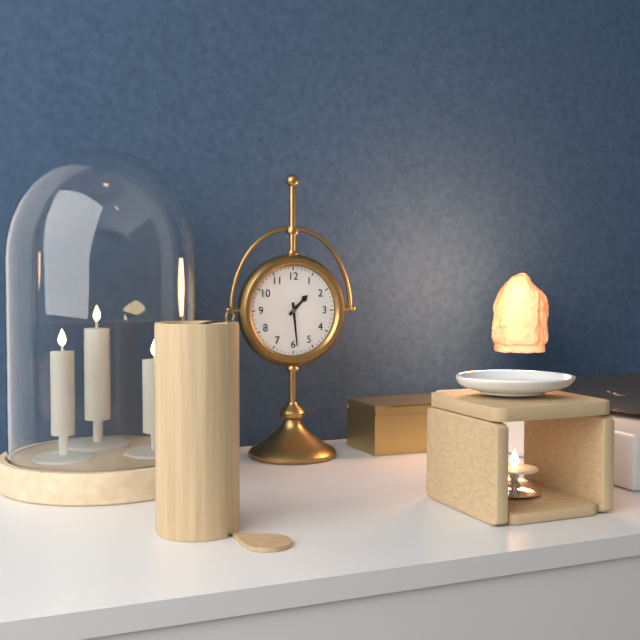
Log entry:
1 h 29 min
